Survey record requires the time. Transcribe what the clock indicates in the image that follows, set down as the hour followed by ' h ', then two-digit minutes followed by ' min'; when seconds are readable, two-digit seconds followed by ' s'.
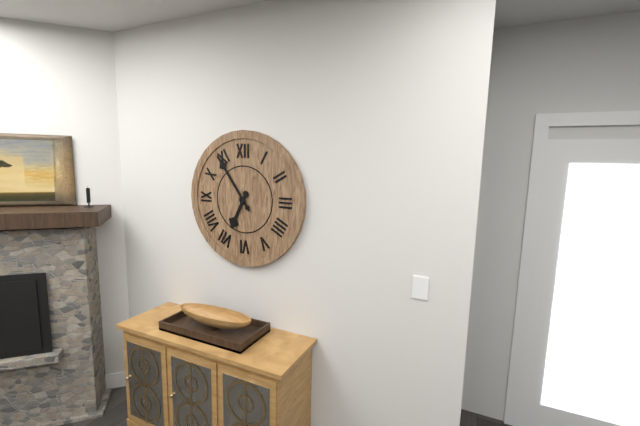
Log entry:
6 h 54 min
